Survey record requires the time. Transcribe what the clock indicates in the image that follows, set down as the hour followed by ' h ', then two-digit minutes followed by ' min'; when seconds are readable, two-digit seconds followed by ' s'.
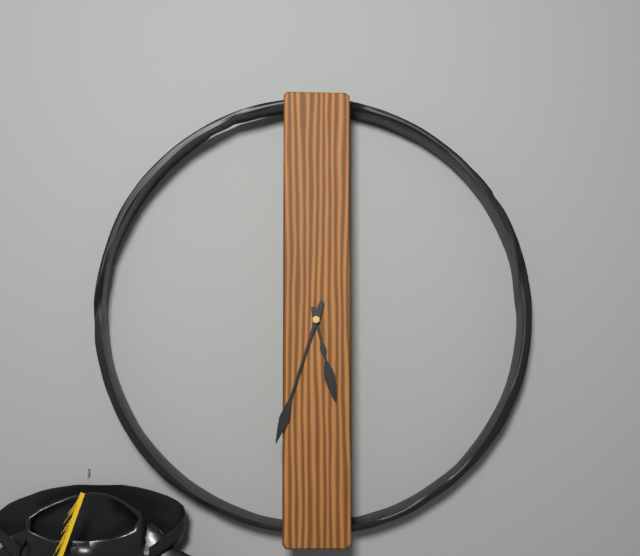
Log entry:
5 h 33 min
